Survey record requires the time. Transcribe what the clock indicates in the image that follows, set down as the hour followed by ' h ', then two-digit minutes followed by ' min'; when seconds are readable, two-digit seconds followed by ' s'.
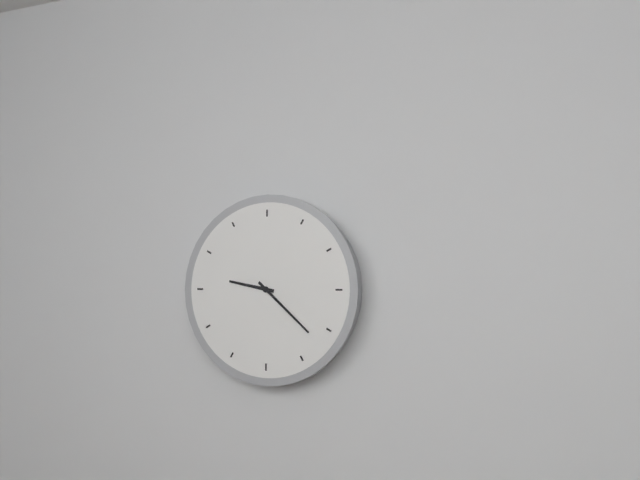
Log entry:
9 h 22 min
